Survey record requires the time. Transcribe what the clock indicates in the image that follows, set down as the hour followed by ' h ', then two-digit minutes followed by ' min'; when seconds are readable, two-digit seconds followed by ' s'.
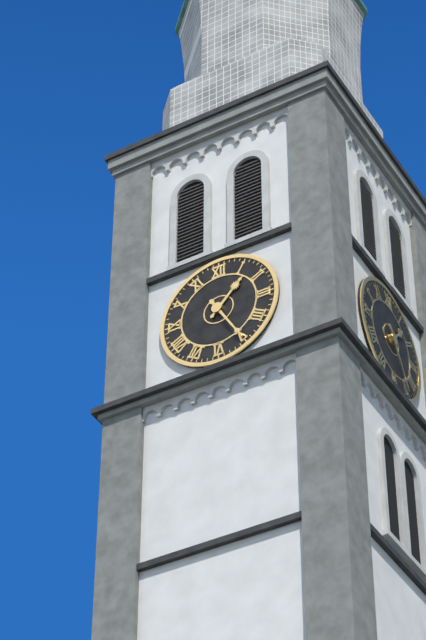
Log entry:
1 h 25 min
